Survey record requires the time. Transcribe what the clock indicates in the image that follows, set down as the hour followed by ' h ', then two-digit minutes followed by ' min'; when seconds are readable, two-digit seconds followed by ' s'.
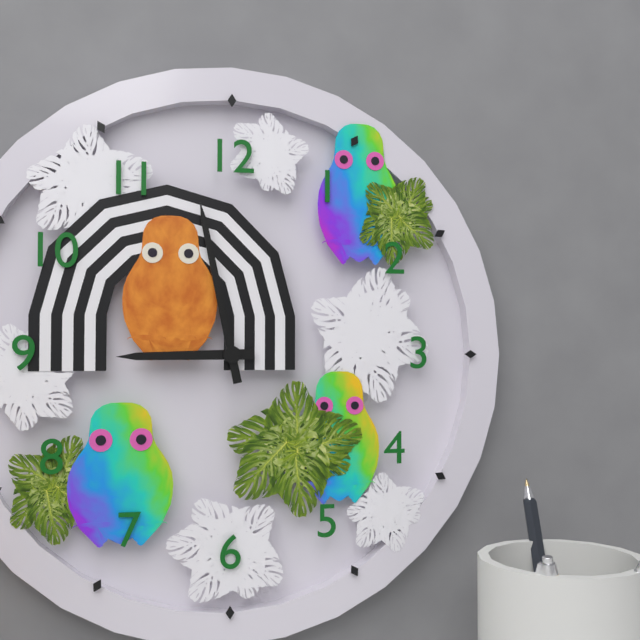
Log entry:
8 h 58 min
